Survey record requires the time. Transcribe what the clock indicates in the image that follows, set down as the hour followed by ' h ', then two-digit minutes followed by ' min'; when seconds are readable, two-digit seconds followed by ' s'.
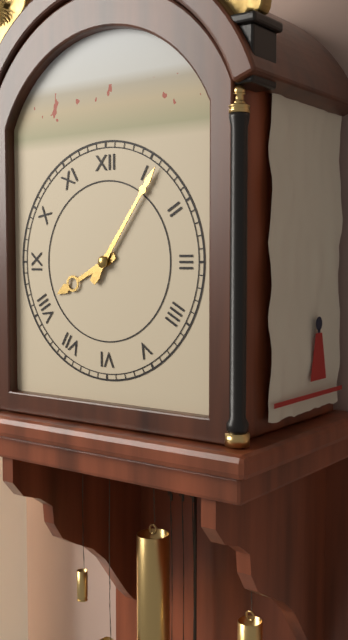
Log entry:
8 h 06 min
